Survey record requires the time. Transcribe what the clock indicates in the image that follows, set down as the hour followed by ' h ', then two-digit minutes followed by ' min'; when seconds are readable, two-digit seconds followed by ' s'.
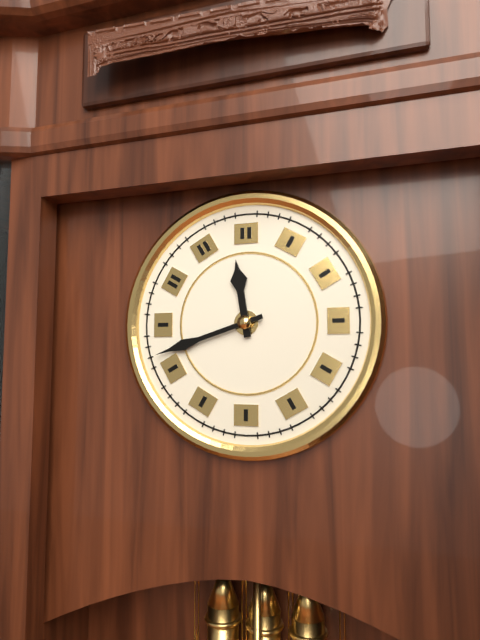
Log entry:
11 h 42 min
